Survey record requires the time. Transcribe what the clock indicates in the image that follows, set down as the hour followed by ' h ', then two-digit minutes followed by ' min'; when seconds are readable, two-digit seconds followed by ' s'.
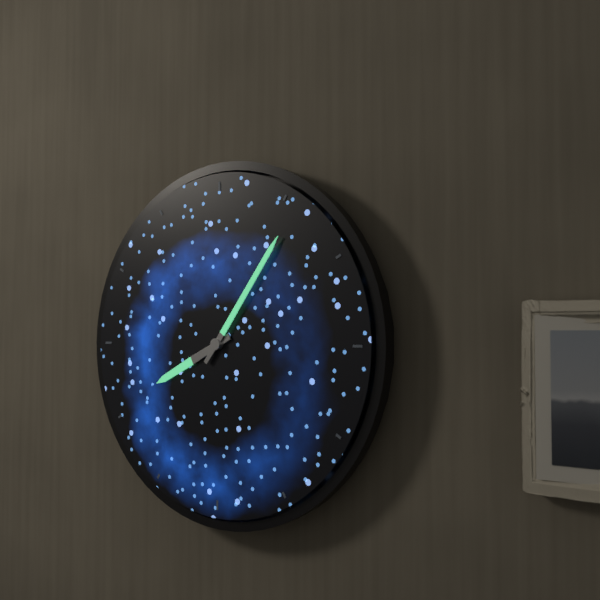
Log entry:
8 h 06 min
